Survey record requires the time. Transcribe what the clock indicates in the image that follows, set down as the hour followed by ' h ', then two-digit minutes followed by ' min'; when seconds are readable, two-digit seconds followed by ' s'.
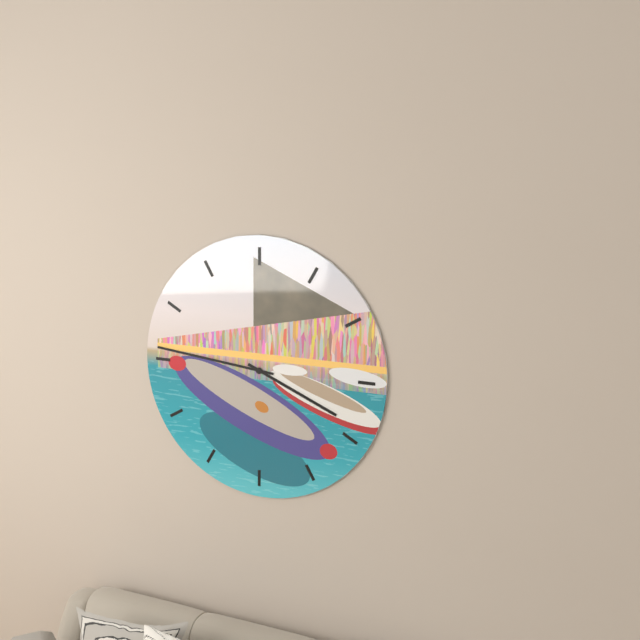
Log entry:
3 h 46 min
